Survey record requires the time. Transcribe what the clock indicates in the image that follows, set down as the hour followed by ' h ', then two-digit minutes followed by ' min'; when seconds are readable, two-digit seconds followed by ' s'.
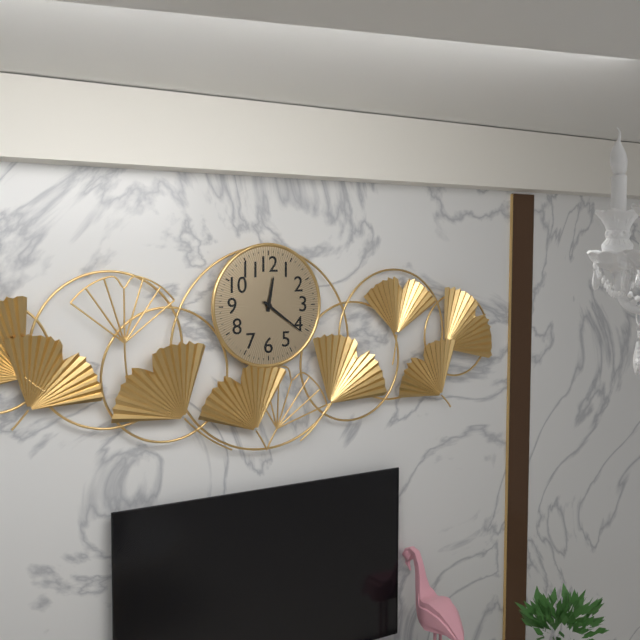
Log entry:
12 h 21 min
